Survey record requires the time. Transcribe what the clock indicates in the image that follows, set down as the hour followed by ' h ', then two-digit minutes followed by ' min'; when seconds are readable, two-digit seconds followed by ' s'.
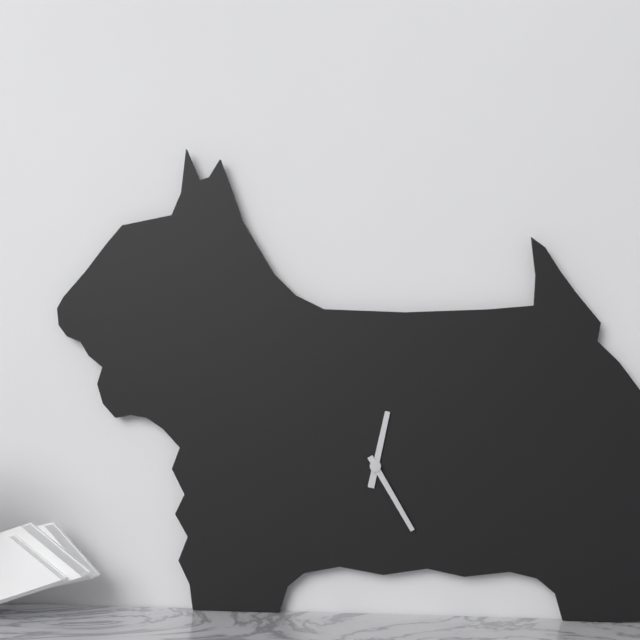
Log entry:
12 h 25 min
